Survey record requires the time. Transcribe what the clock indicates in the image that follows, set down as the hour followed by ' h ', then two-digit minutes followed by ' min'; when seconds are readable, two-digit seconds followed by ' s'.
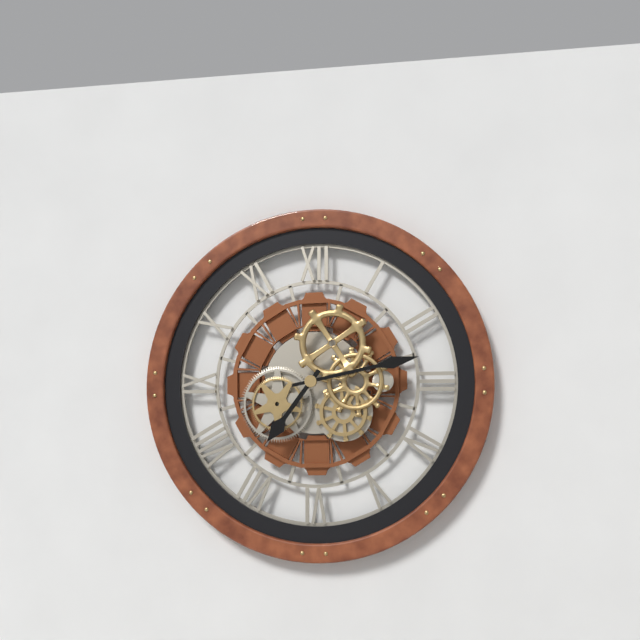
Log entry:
7 h 13 min
